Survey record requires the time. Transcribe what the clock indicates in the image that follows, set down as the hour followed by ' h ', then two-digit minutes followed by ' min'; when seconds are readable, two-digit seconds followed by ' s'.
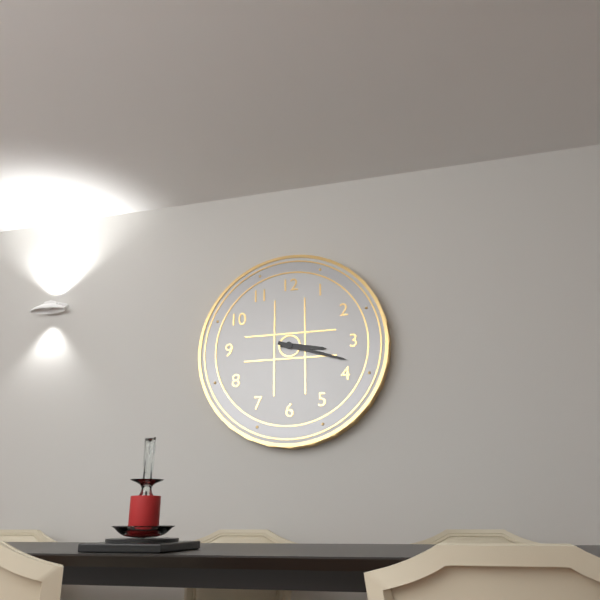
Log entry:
3 h 18 min
